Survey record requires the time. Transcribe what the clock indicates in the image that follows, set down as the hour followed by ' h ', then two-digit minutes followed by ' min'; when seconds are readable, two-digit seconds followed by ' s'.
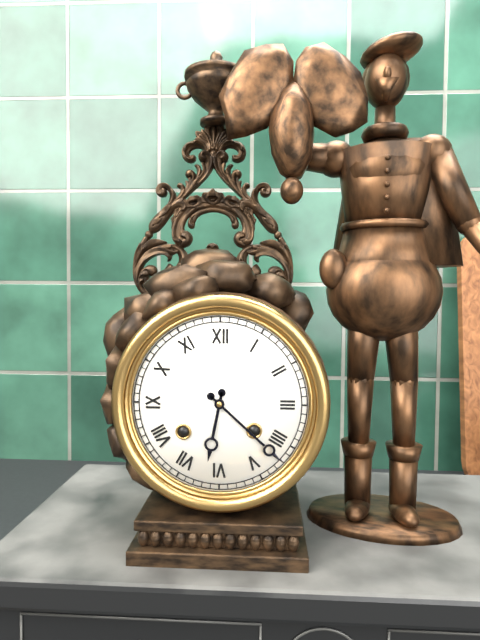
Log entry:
6 h 22 min
